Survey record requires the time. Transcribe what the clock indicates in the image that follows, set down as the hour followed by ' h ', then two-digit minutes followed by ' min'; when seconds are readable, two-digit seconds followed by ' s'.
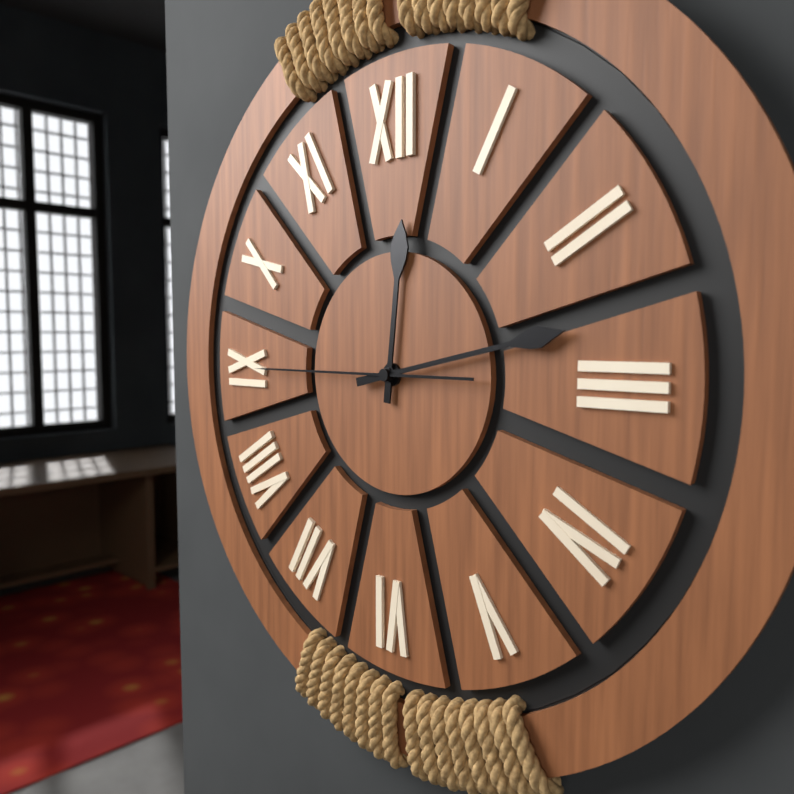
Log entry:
12 h 13 min 45 s
